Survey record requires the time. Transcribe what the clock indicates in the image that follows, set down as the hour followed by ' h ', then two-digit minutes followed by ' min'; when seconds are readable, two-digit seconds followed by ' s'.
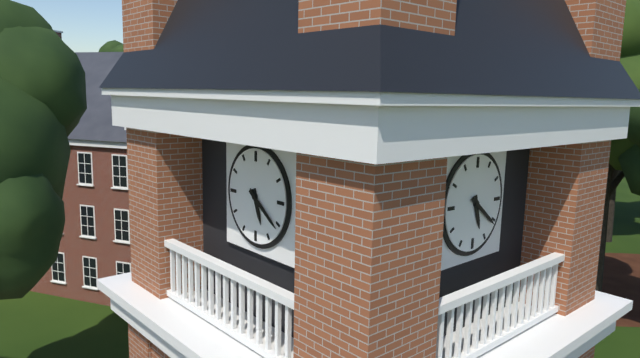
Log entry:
5 h 21 min
